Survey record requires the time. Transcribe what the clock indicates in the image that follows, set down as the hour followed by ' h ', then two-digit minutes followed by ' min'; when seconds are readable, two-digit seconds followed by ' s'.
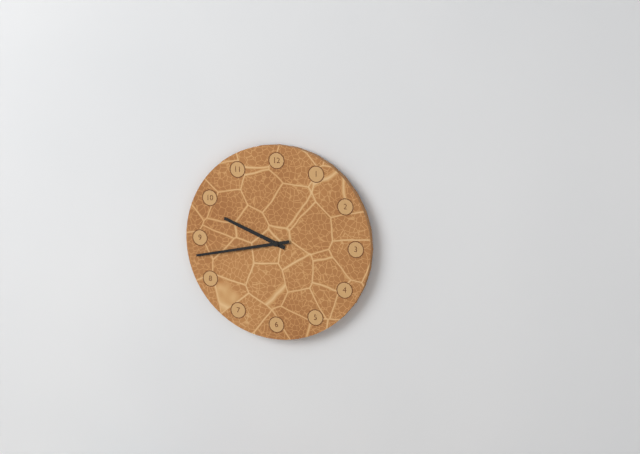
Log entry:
9 h 43 min
